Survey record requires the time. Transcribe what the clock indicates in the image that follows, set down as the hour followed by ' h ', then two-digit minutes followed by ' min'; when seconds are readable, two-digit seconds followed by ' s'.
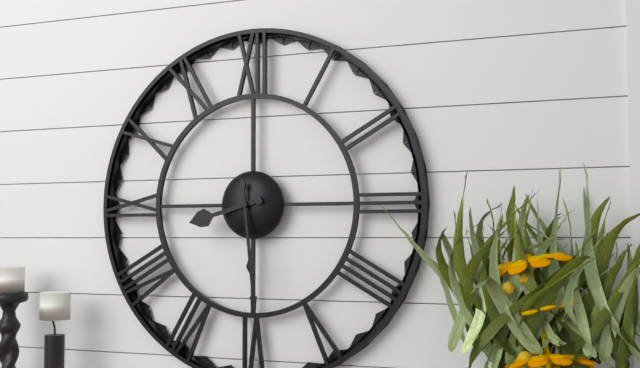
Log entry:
8 h 29 min
